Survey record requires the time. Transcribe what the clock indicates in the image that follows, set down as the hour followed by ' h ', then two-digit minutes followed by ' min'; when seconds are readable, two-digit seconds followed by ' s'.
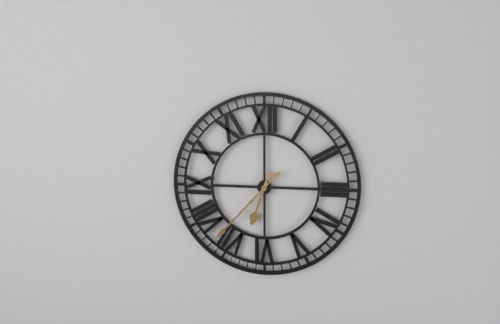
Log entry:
6 h 37 min
